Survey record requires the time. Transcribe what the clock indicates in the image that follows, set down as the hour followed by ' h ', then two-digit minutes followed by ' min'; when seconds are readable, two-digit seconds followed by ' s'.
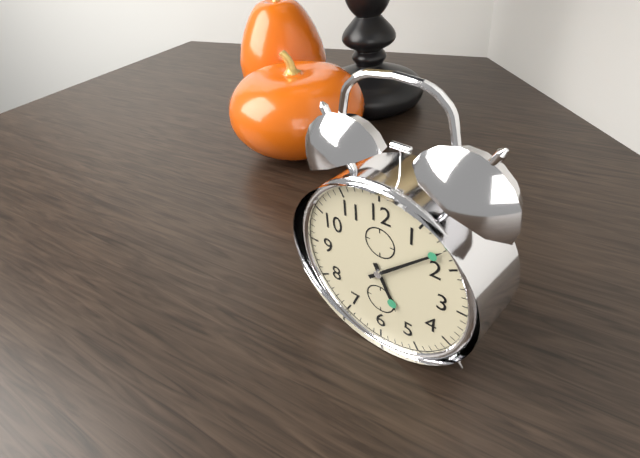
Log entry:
5 h 08 min
